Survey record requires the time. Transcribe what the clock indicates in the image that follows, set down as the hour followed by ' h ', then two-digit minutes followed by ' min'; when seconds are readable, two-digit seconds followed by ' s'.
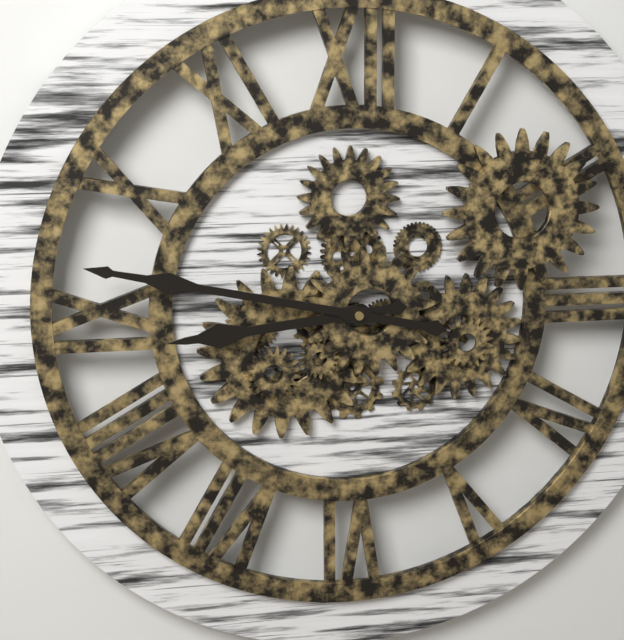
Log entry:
8 h 47 min
